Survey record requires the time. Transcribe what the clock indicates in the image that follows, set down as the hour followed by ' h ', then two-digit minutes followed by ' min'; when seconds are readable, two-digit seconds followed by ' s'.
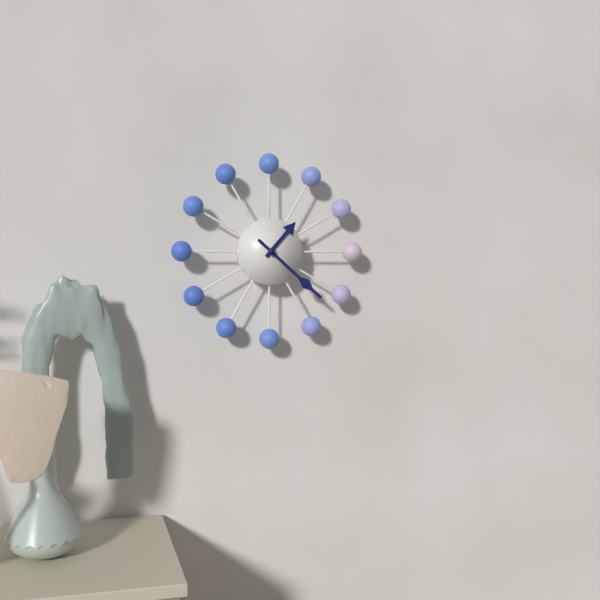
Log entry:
1 h 22 min
